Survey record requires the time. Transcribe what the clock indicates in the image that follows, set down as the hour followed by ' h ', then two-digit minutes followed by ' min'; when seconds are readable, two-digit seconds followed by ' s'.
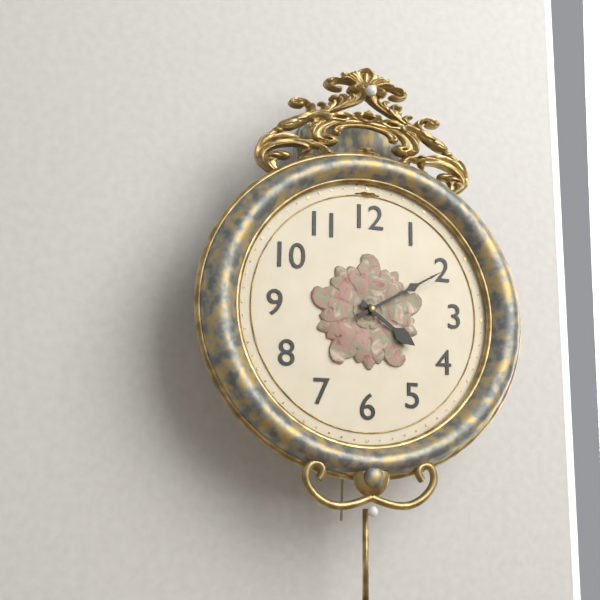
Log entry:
4 h 10 min
